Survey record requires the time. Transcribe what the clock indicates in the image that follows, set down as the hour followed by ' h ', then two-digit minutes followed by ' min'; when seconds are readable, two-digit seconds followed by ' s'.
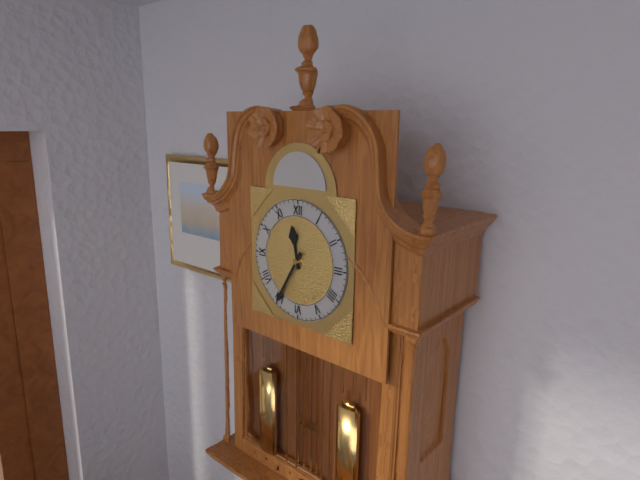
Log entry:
11 h 35 min
